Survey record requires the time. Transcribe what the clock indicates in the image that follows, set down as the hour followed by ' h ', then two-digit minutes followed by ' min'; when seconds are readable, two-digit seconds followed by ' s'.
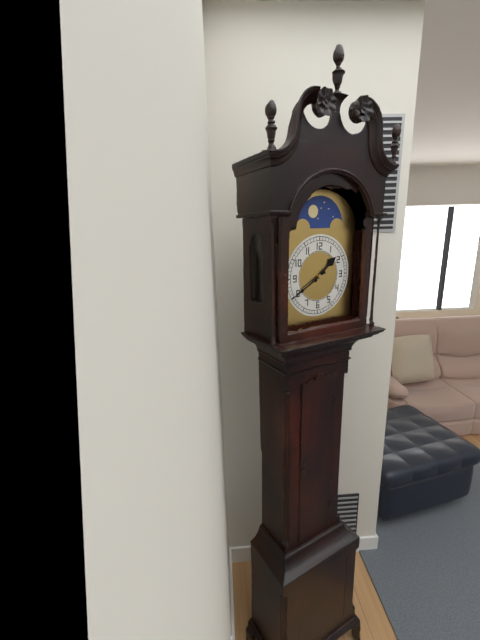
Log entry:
1 h 40 min
